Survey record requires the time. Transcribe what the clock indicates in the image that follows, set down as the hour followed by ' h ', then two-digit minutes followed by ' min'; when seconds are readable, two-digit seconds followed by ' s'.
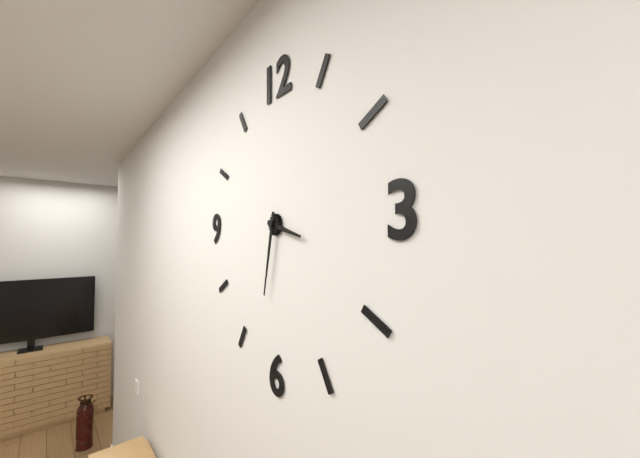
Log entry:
3 h 32 min
